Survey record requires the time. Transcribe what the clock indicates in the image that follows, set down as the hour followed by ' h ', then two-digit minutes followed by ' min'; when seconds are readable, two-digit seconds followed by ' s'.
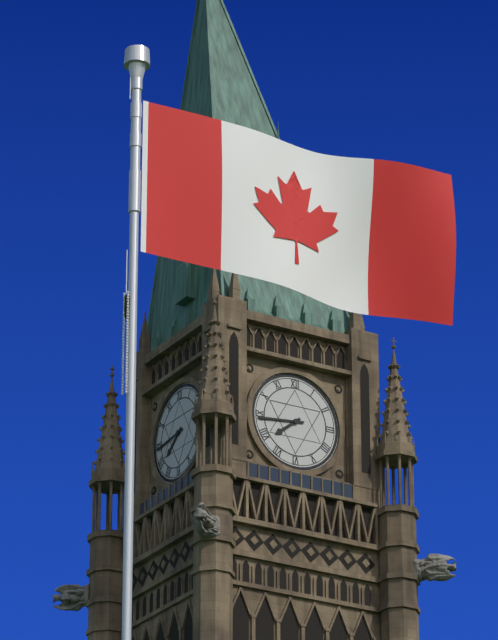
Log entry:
7 h 44 min
